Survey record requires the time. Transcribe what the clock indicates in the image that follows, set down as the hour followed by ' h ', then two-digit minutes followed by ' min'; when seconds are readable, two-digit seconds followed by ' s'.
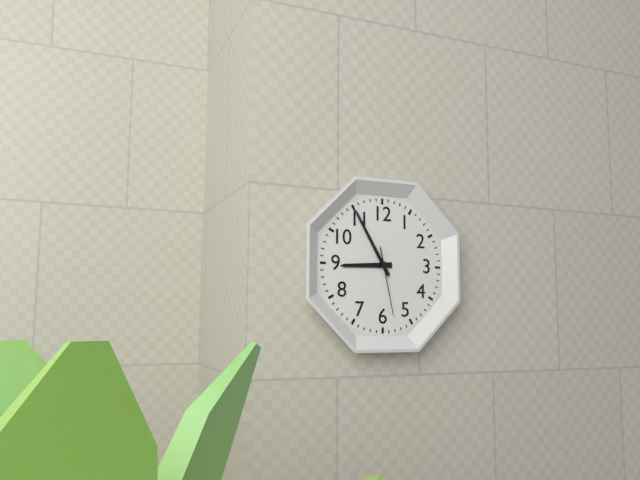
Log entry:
8 h 55 min 28 s
